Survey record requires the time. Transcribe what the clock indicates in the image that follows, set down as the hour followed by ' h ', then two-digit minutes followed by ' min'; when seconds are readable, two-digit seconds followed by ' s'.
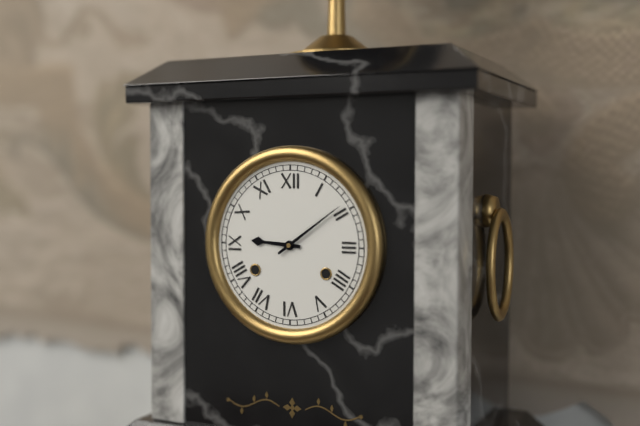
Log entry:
9 h 09 min
